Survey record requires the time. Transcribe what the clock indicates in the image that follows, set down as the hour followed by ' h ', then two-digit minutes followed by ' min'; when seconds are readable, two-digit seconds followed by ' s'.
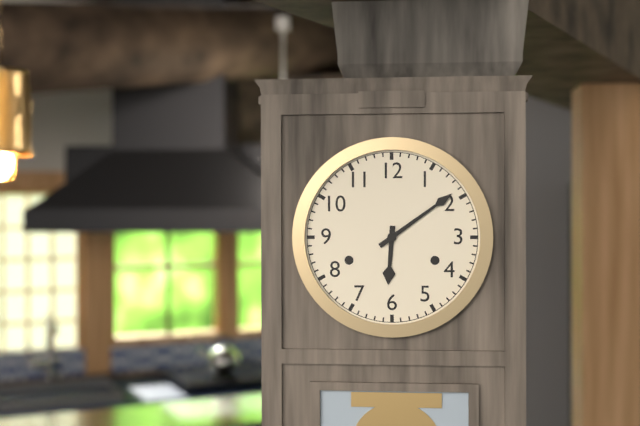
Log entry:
6 h 09 min
